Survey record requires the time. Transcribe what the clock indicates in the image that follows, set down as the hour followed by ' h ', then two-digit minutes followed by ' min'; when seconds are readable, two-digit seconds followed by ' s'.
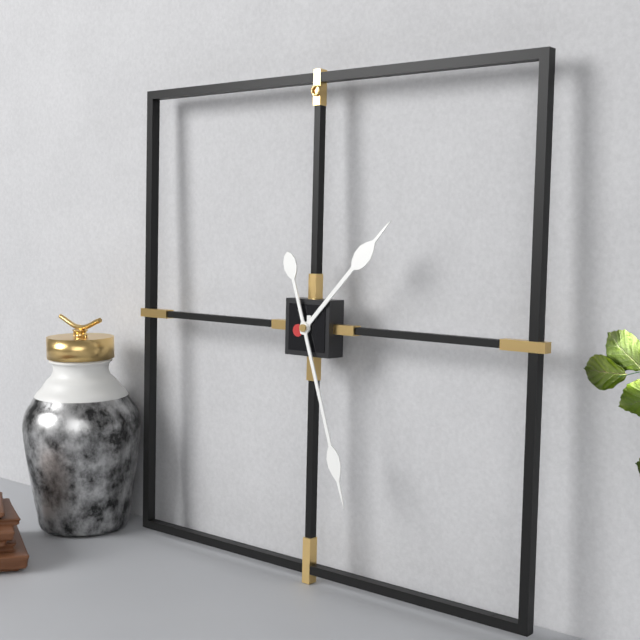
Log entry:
1 h 27 min
